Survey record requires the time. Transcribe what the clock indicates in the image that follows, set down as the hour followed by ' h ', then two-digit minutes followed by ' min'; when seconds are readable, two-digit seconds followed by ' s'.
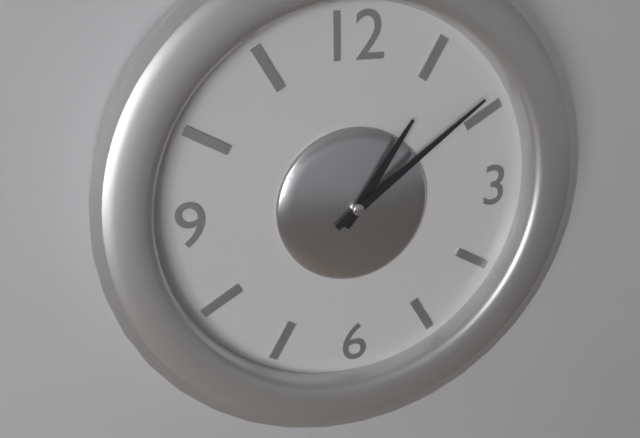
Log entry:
1 h 09 min
